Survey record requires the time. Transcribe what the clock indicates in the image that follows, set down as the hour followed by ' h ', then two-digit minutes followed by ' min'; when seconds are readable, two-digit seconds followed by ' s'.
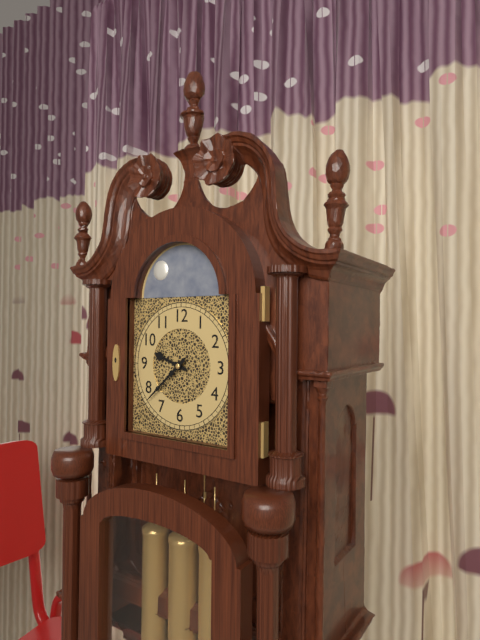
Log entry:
9 h 38 min
